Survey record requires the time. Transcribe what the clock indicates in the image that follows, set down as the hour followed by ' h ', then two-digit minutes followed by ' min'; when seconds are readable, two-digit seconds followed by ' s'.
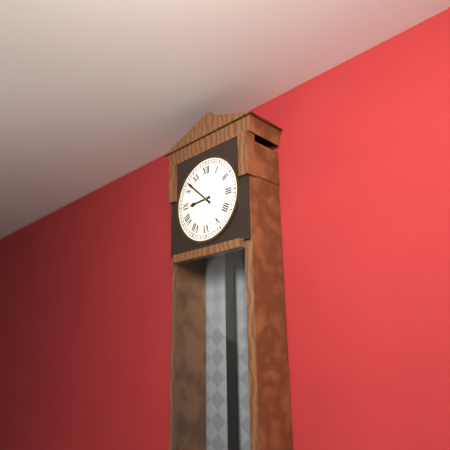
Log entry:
8 h 52 min
